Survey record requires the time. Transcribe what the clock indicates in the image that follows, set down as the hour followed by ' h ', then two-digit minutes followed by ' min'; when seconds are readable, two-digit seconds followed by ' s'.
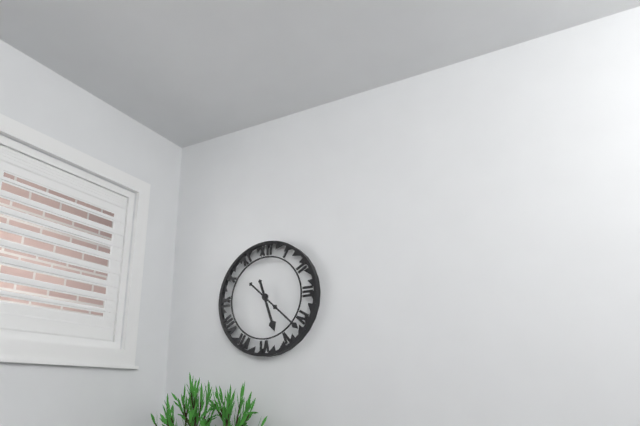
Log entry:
5 h 22 min
